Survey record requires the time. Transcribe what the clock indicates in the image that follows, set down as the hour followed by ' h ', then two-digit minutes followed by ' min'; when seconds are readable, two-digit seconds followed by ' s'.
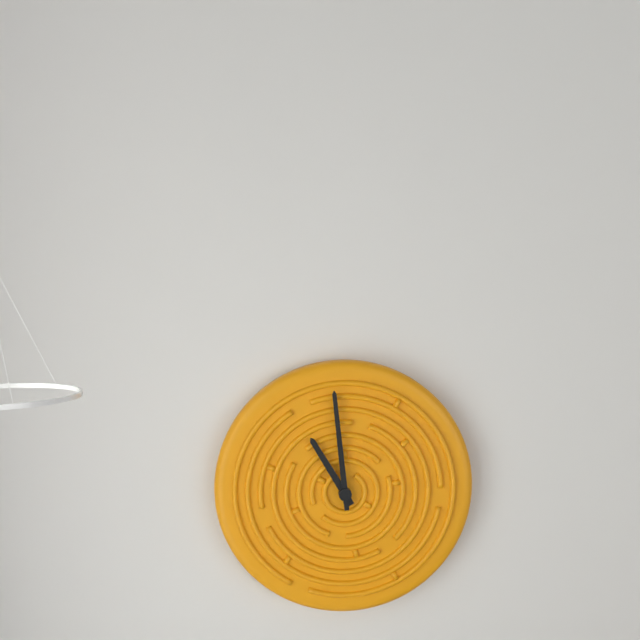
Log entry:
10 h 59 min
